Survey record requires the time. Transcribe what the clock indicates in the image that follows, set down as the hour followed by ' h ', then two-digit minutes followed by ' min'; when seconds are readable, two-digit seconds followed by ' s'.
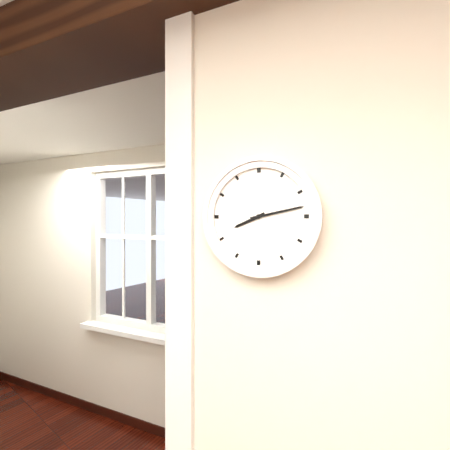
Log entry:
8 h 13 min
